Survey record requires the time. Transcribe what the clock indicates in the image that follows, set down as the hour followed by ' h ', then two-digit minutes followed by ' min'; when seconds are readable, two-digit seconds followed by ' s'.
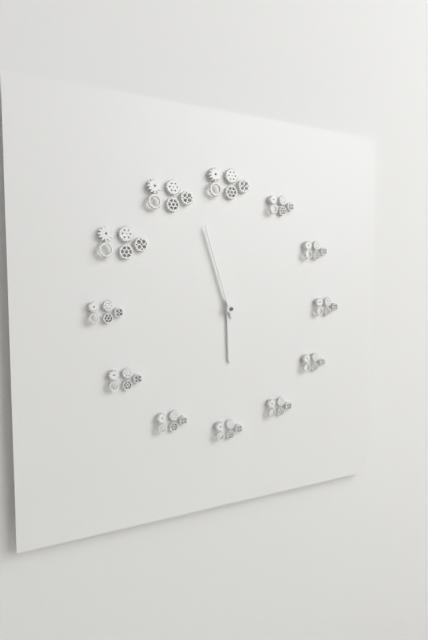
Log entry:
5 h 57 min
